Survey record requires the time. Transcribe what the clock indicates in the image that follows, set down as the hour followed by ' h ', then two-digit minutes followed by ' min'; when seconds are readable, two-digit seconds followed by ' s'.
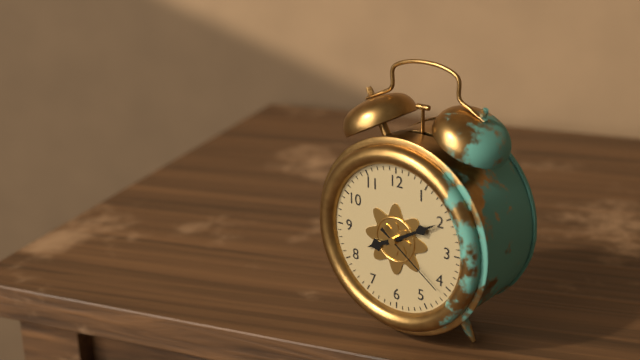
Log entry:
8 h 10 min 21 s
